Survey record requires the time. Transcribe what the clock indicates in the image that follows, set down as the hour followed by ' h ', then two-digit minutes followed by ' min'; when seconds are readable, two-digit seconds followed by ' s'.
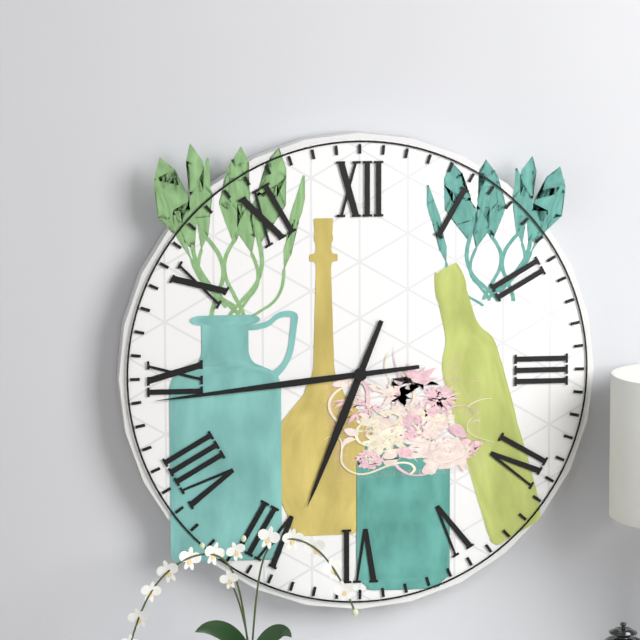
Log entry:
6 h 44 min
